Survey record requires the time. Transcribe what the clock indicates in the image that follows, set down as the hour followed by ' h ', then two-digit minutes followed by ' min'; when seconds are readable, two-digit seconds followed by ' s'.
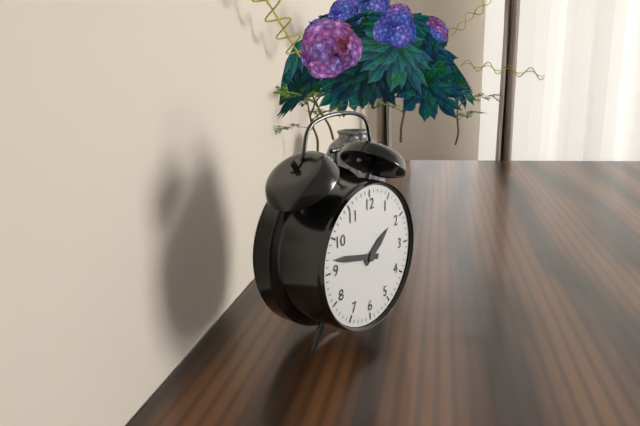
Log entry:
1 h 47 min
